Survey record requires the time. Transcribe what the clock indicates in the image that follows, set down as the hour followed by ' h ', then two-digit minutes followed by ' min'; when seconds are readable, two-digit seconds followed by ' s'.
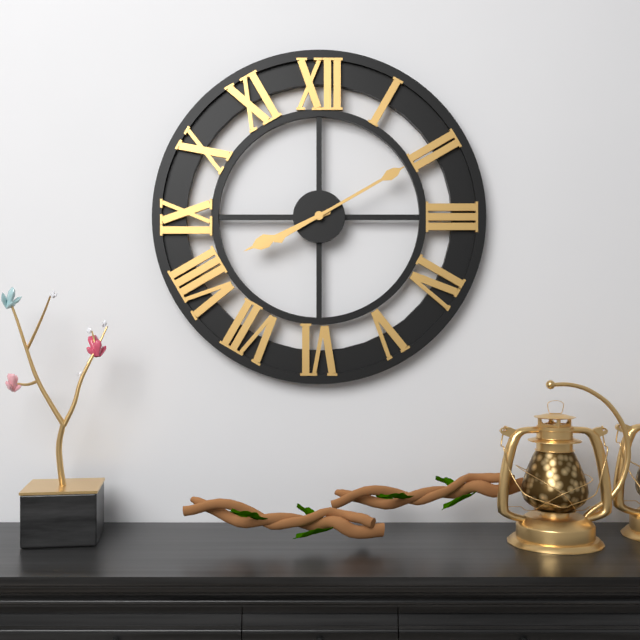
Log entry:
8 h 10 min
